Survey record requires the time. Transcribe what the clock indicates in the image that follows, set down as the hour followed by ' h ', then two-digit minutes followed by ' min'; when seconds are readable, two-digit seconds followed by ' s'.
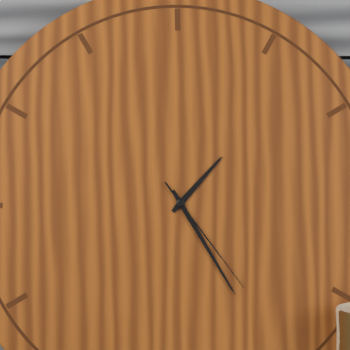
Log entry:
1 h 25 min 24 s
